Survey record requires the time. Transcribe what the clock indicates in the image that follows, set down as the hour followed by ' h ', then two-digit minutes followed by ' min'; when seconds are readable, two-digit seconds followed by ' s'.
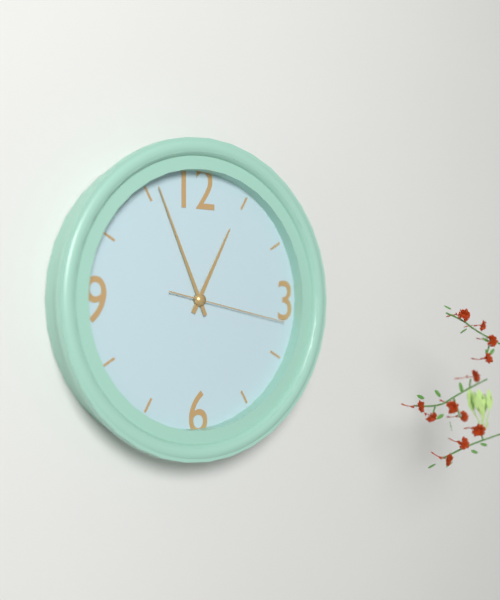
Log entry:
12 h 56 min 17 s
